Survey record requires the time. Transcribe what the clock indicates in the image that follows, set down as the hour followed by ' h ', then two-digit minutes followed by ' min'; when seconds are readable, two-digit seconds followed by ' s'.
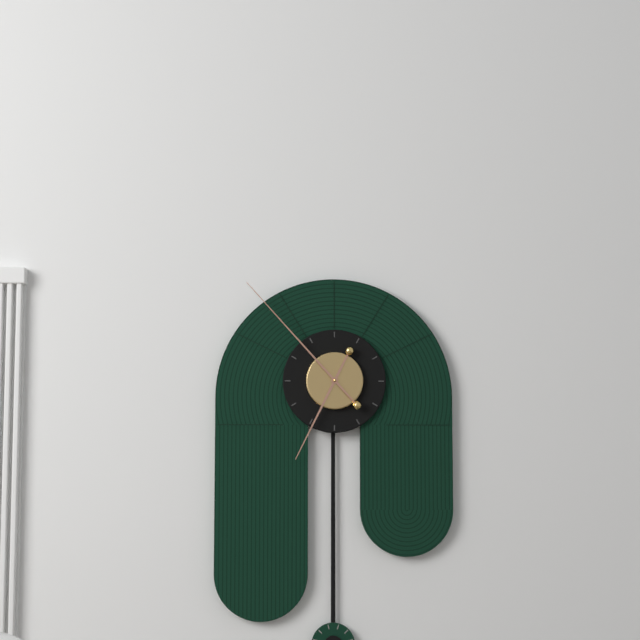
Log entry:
6 h 53 min
